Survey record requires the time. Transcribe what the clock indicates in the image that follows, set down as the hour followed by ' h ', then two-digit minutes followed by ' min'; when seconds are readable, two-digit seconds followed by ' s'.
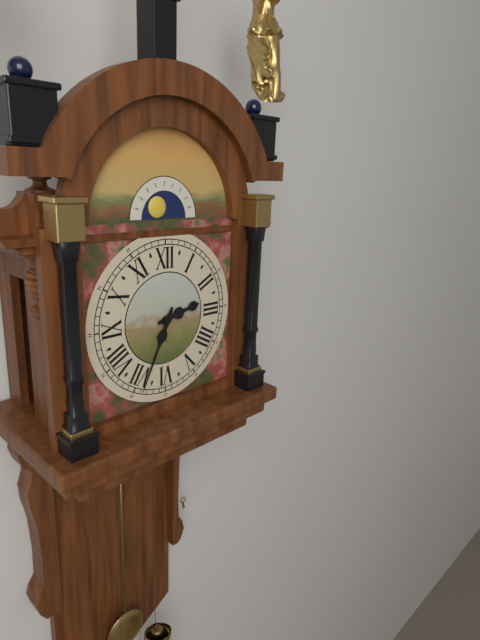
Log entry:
2 h 34 min
